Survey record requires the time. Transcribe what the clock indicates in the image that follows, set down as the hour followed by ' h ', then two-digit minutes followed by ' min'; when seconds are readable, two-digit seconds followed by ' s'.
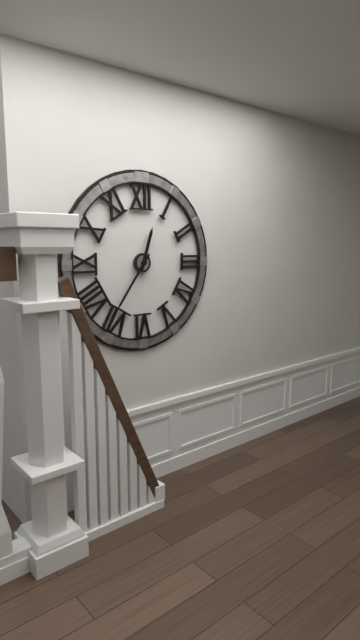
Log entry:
12 h 36 min
